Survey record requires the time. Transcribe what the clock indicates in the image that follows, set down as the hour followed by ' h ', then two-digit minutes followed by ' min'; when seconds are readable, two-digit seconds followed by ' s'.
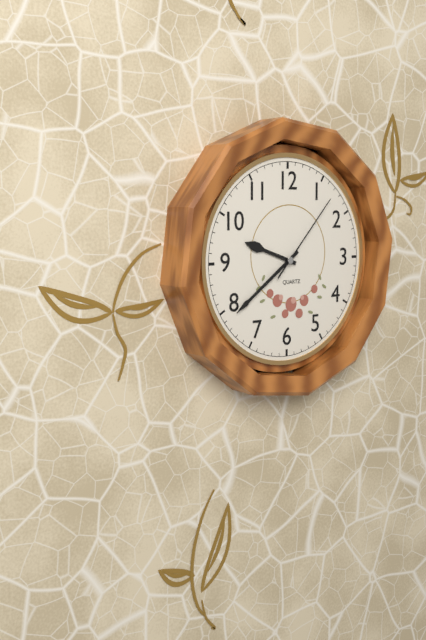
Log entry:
9 h 39 min 07 s
